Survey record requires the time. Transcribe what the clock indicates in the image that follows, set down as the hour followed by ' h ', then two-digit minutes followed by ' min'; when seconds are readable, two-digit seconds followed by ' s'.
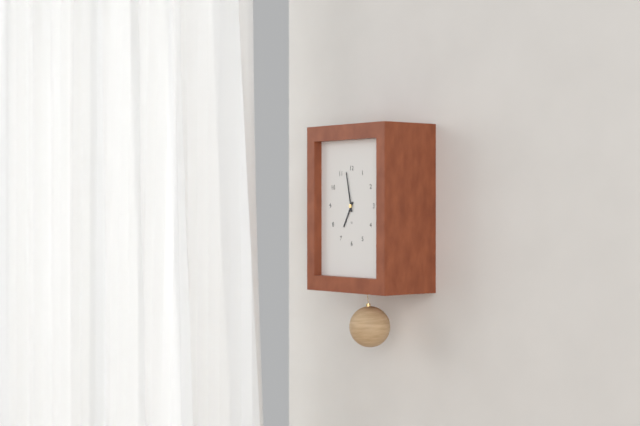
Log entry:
6 h 58 min
